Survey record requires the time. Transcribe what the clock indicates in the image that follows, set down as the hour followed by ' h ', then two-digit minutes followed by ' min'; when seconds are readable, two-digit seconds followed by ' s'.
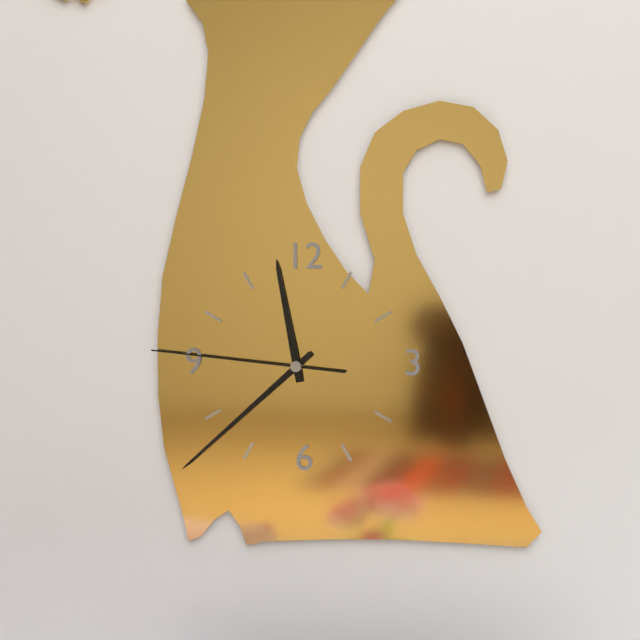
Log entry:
11 h 38 min 46 s
